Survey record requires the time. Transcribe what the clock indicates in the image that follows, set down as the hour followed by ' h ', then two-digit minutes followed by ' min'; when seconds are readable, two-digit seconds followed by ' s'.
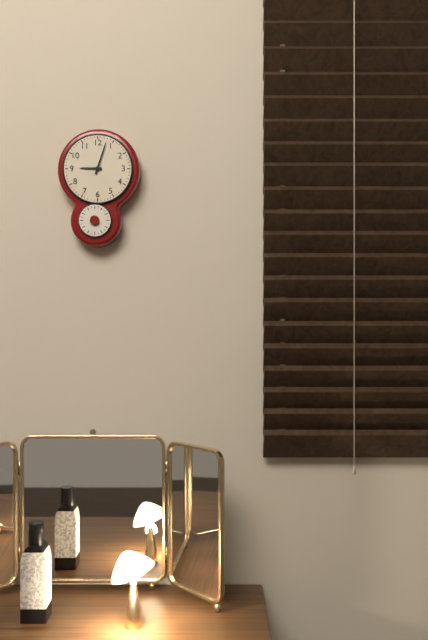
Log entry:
9 h 03 min
